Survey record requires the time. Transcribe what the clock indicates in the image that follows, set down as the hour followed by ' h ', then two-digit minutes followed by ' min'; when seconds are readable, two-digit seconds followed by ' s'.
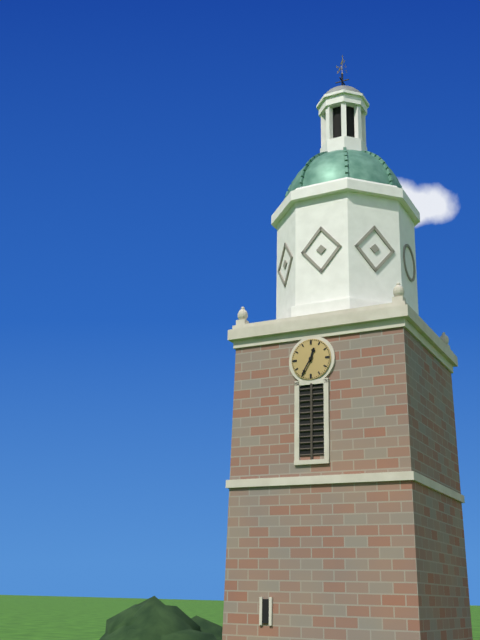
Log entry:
12 h 35 min
